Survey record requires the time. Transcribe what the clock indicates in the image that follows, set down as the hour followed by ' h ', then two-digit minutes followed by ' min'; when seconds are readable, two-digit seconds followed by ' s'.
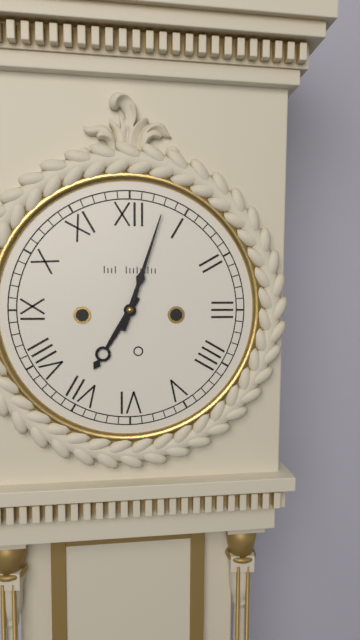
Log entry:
7 h 03 min
